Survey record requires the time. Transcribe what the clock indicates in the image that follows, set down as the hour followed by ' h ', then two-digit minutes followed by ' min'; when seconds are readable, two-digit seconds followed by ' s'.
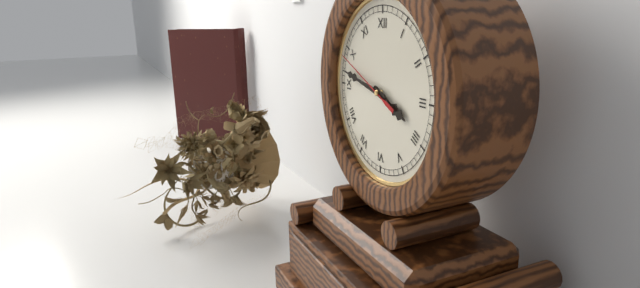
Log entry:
3 h 47 min 49 s
